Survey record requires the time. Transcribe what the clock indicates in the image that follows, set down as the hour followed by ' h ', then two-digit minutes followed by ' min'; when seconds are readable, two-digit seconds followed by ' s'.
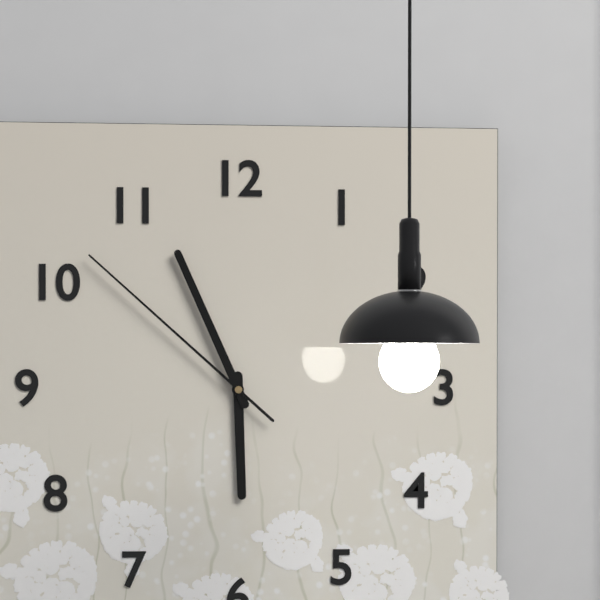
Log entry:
5 h 56 min 52 s
